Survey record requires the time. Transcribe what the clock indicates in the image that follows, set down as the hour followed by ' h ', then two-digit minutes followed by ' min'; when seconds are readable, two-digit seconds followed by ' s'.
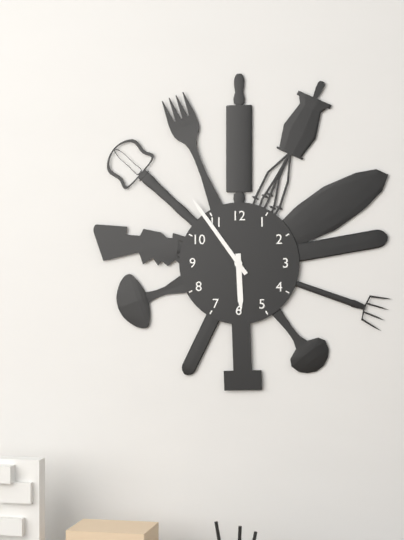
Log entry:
5 h 54 min
